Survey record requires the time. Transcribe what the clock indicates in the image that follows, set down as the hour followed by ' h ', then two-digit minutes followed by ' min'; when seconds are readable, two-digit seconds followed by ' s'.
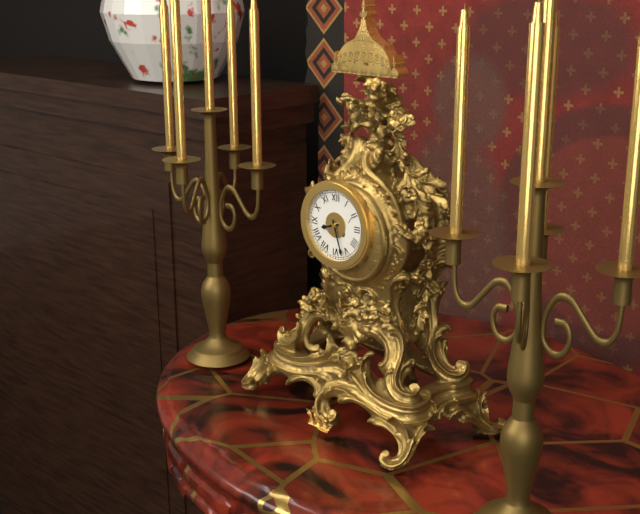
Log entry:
8 h 27 min
